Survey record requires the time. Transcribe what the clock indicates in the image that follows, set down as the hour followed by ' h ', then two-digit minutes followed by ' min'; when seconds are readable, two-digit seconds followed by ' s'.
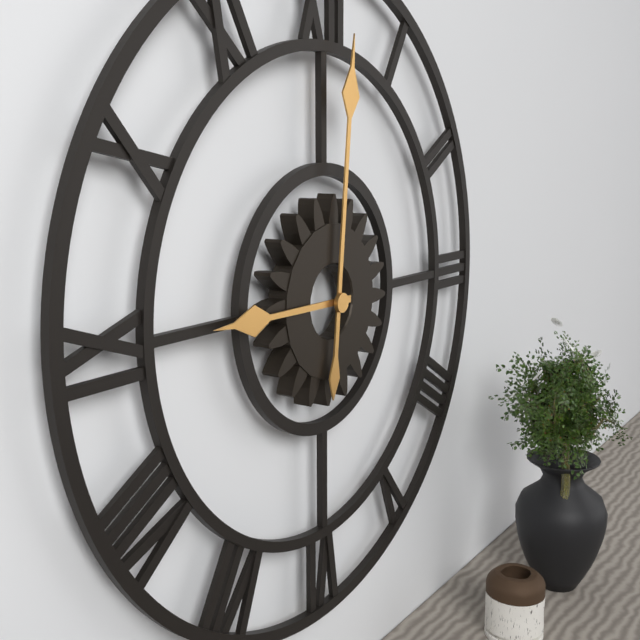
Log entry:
9 h 01 min
